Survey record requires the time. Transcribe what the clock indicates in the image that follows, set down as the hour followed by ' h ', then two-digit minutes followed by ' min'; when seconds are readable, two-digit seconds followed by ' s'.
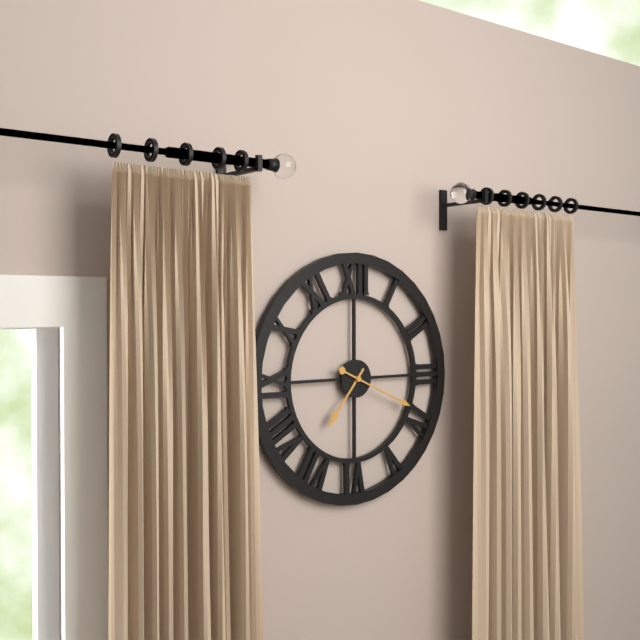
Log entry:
7 h 19 min
